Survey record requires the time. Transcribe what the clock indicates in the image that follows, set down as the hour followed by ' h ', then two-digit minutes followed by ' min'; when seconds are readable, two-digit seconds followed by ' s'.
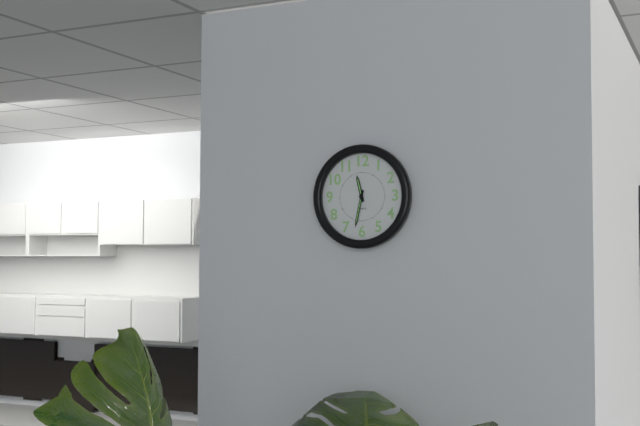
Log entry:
11 h 32 min
